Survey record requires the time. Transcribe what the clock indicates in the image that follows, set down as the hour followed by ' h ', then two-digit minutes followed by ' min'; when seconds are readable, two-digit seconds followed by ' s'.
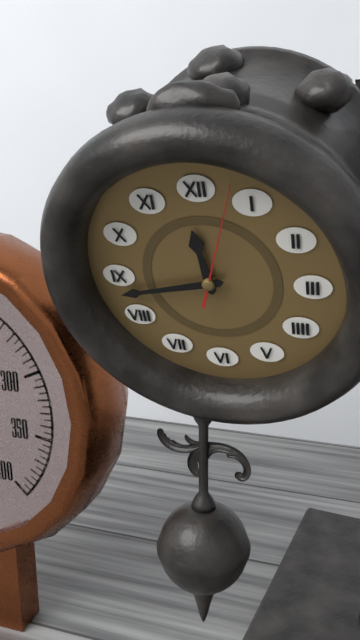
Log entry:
11 h 43 min 03 s
